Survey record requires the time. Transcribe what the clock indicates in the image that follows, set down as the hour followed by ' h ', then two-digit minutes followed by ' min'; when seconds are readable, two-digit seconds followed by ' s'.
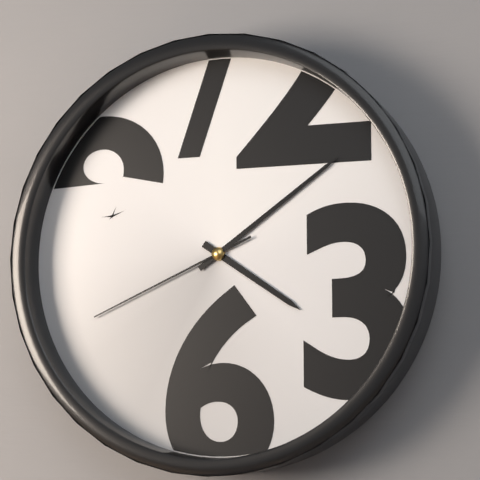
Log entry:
4 h 09 min 41 s
